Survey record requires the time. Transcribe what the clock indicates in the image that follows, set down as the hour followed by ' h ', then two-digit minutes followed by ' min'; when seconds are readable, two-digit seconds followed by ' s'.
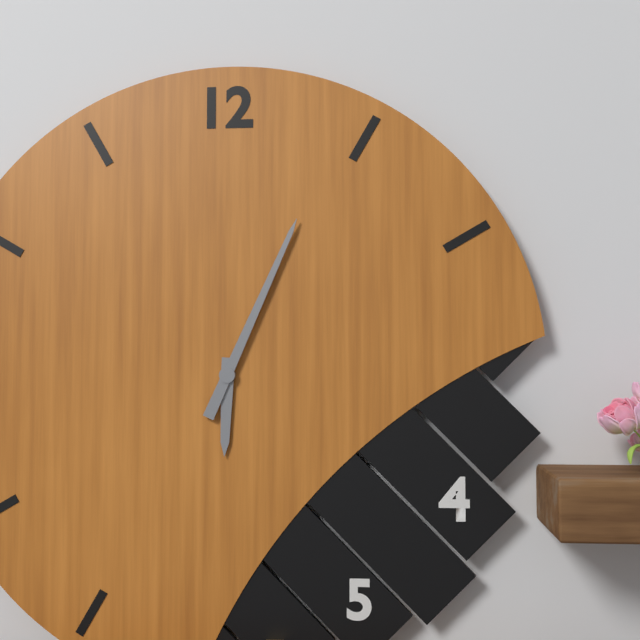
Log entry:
6 h 04 min
